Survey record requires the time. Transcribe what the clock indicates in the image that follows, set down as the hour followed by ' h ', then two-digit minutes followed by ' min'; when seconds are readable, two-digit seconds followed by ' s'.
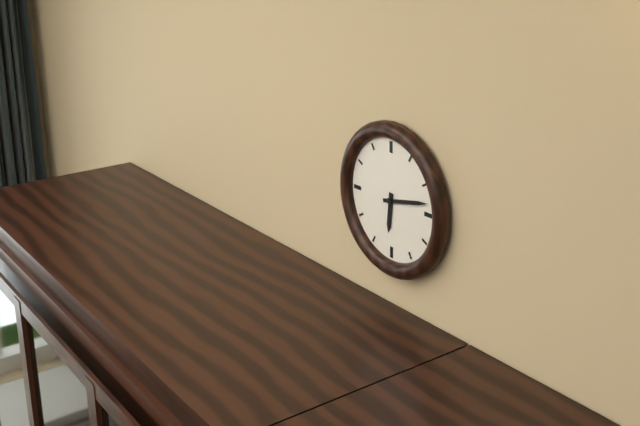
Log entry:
6 h 13 min
